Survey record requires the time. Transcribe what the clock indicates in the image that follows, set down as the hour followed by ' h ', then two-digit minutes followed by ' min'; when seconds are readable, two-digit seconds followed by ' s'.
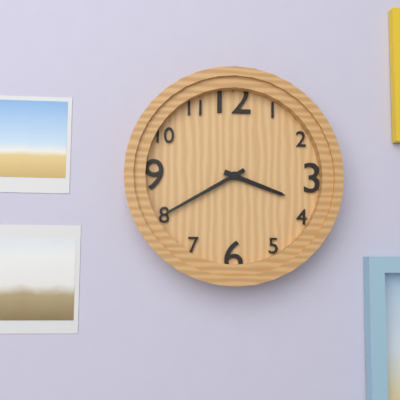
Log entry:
3 h 40 min
